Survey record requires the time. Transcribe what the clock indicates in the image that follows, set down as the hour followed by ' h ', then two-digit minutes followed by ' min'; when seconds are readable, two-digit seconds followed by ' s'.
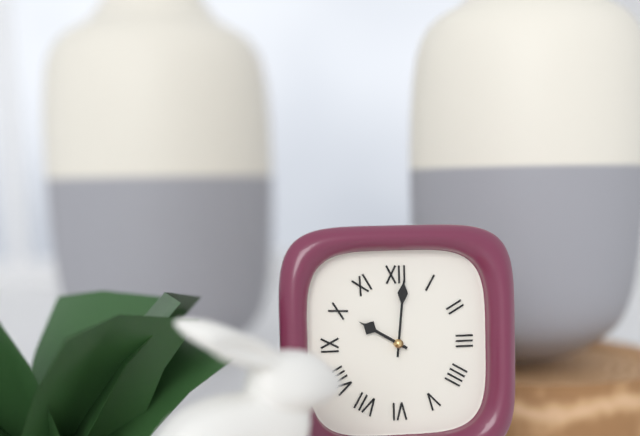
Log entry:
10 h 01 min
